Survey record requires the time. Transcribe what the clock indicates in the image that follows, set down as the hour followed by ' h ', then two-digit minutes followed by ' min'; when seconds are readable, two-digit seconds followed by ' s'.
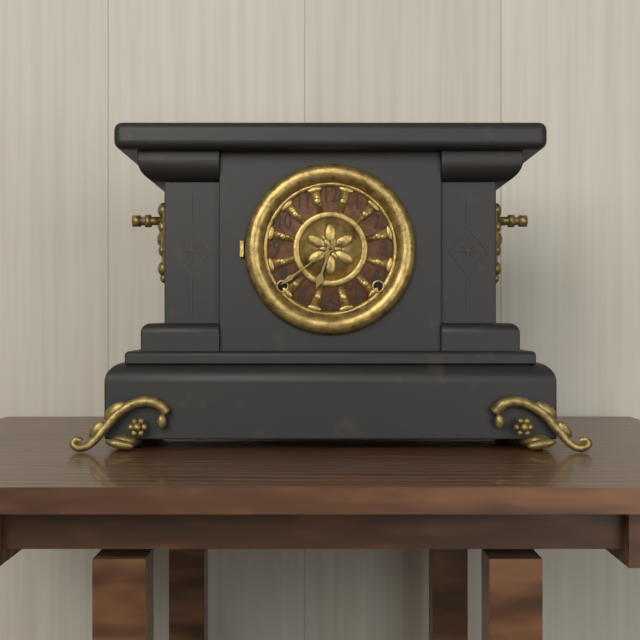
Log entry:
6 h 39 min
